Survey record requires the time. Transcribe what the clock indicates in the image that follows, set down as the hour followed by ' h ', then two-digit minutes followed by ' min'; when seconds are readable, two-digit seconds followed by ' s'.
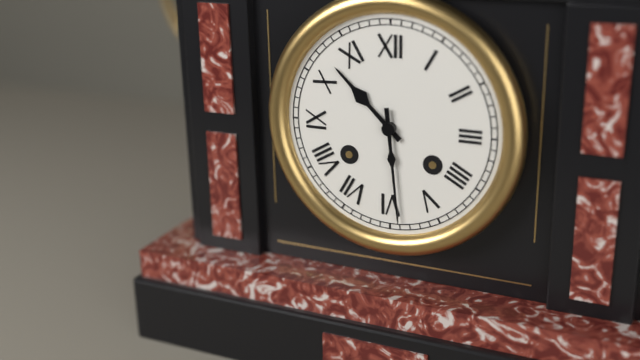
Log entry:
10 h 29 min
